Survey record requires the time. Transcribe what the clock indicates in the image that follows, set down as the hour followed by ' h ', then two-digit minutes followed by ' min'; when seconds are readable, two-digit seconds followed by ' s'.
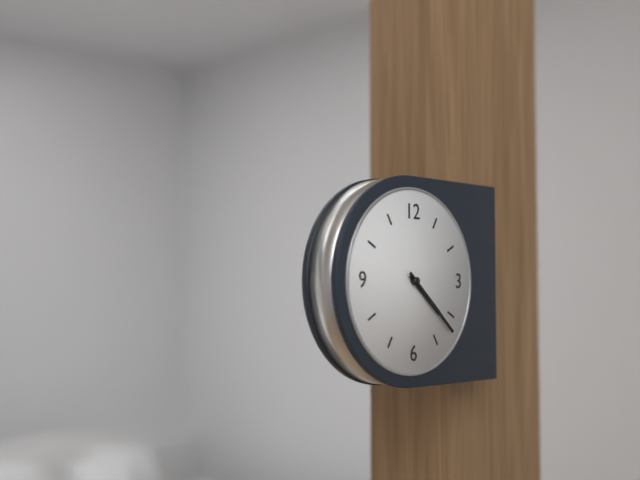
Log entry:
4 h 22 min
